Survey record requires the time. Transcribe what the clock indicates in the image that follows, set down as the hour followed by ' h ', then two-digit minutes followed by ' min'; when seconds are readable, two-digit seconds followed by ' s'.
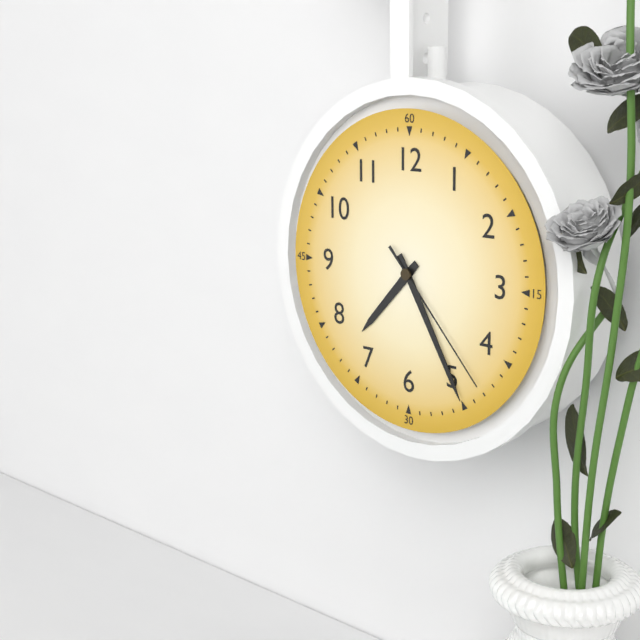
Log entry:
7 h 25 min 23 s
